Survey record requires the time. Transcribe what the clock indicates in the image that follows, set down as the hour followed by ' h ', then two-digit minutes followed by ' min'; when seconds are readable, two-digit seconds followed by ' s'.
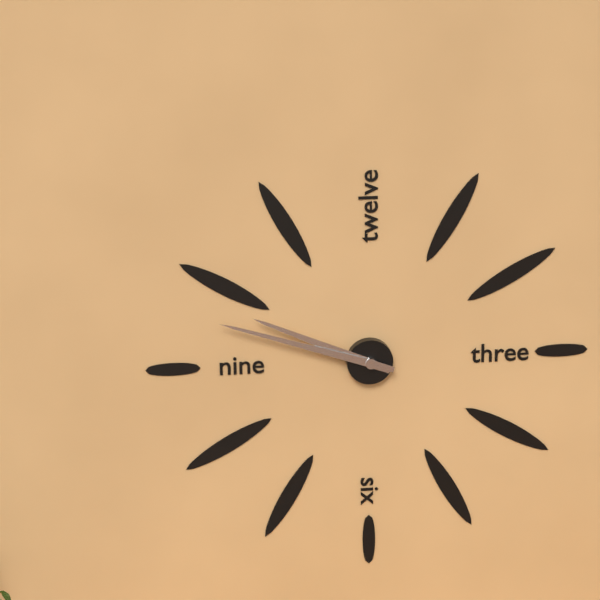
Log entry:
9 h 48 min
